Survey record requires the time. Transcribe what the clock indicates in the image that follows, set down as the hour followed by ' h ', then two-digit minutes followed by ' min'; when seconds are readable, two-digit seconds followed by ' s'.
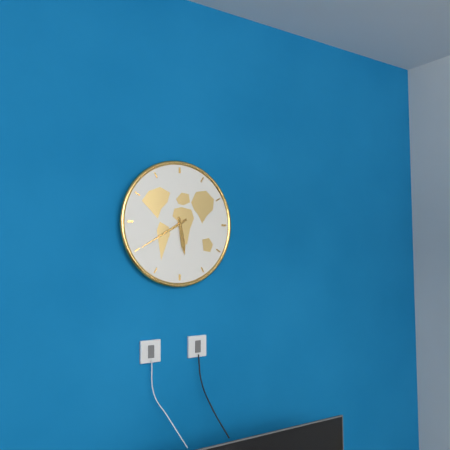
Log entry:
5 h 40 min
